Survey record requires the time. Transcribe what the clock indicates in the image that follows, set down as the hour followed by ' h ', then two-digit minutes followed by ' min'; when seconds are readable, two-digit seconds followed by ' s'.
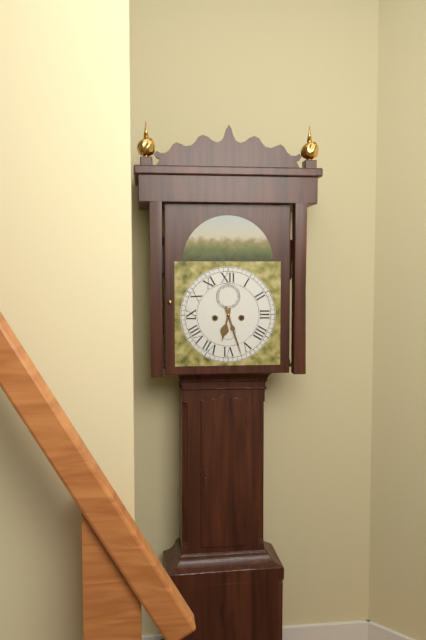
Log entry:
6 h 27 min
